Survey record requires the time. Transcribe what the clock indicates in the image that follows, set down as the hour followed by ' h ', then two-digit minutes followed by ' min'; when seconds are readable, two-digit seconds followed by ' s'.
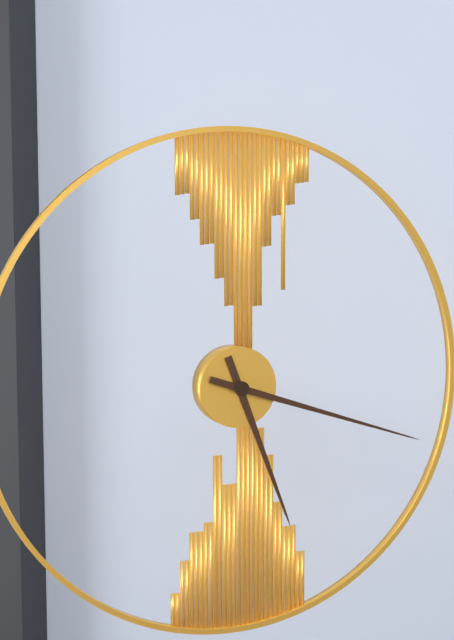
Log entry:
5 h 18 min
